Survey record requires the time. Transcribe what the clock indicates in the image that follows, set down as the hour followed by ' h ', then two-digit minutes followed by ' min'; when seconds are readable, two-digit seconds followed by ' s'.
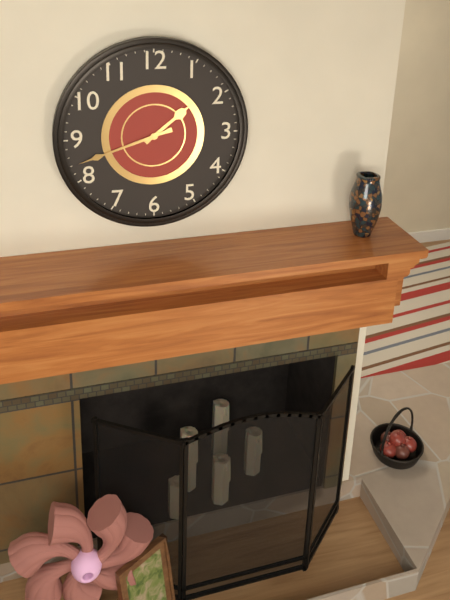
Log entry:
1 h 42 min
